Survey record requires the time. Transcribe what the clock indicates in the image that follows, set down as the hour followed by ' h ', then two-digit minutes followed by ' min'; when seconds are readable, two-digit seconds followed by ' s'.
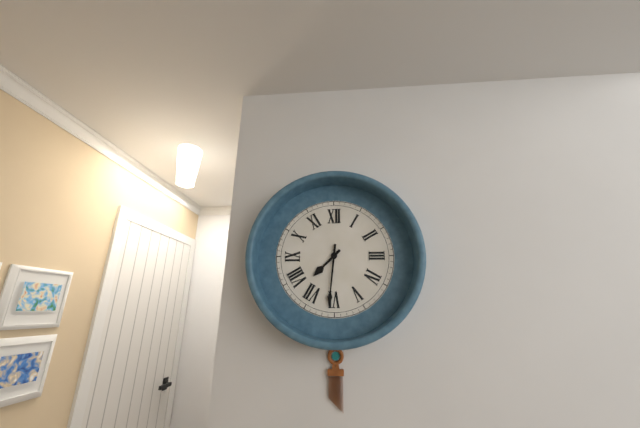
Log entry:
7 h 31 min
